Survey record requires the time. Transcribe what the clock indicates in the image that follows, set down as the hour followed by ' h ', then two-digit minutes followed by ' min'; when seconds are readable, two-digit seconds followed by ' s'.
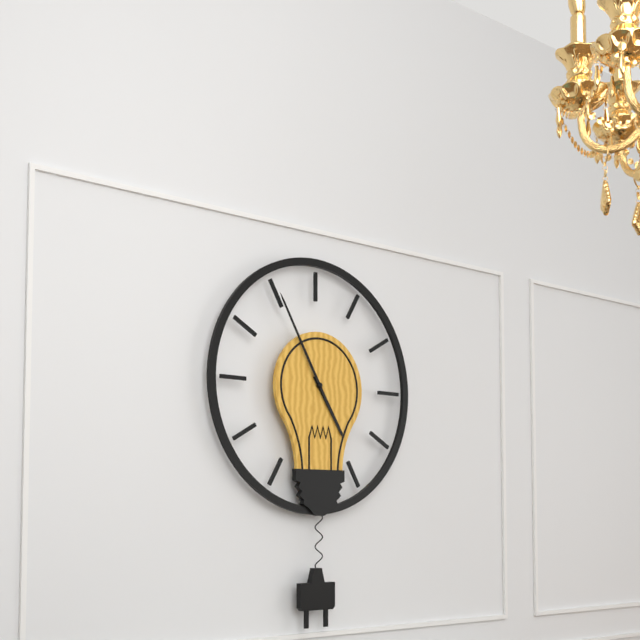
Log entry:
4 h 55 min
